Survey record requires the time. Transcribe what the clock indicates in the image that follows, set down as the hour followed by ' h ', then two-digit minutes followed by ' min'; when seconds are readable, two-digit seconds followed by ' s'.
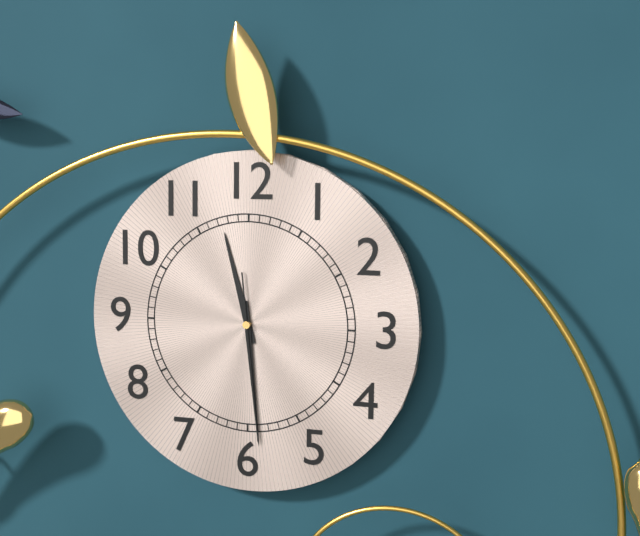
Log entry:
11 h 29 min 29 s
